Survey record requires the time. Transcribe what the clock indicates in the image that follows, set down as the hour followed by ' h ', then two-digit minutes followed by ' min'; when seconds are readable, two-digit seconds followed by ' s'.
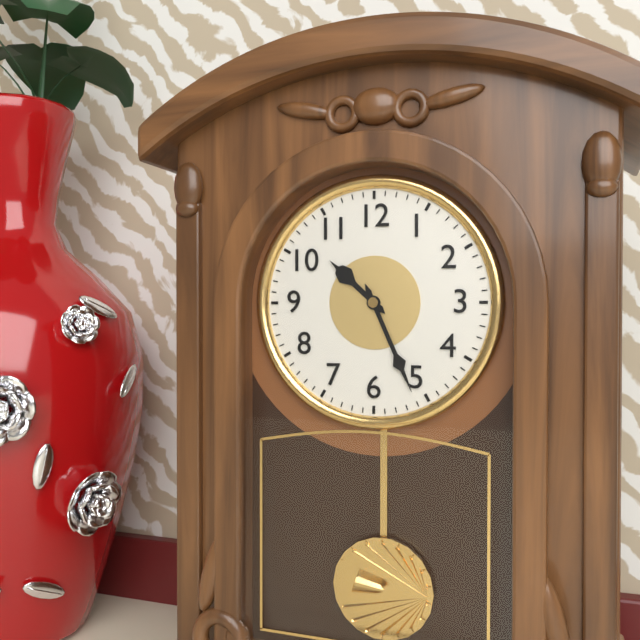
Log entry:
10 h 26 min
